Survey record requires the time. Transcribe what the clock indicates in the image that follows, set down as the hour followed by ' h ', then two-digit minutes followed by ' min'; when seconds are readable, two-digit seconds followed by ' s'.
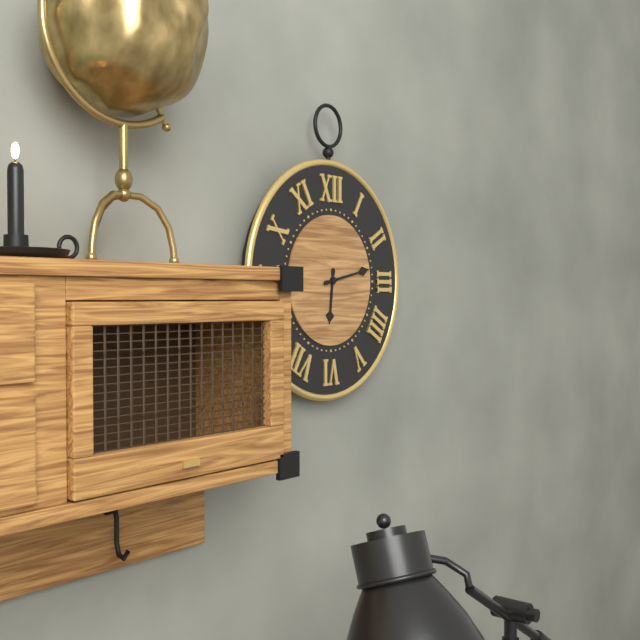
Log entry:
6 h 13 min
